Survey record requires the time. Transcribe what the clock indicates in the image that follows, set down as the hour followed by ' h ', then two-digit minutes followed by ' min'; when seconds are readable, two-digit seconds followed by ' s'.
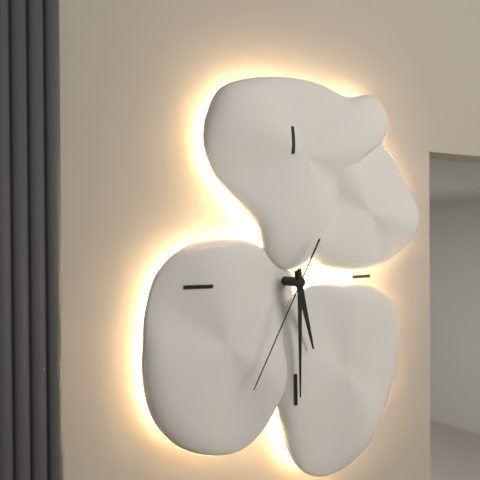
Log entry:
5 h 30 min 35 s
